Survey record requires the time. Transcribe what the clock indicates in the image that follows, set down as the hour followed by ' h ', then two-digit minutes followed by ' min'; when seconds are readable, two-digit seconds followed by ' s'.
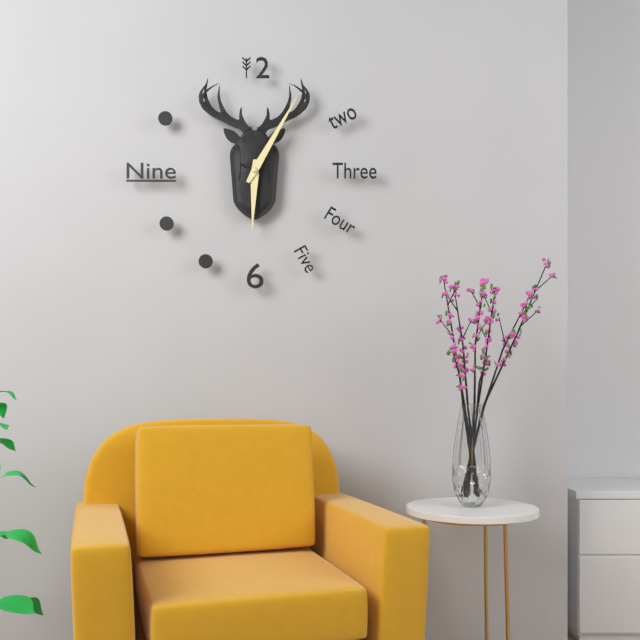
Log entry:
6 h 05 min
